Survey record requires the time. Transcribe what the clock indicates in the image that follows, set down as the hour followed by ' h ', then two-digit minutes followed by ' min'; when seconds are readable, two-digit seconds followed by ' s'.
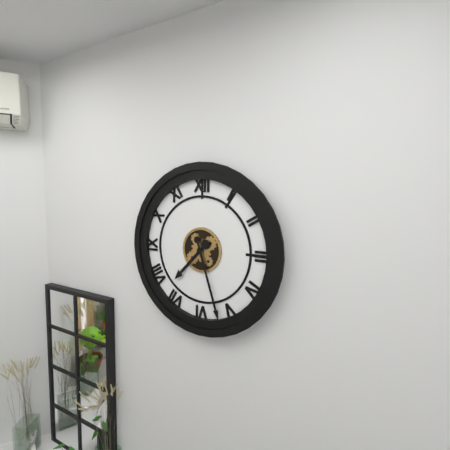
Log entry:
7 h 27 min
